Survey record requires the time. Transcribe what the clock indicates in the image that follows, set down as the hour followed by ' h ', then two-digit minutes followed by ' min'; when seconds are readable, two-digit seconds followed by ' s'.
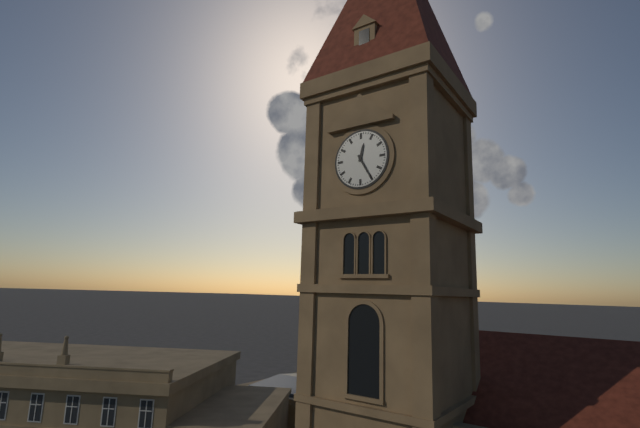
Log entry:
12 h 25 min
